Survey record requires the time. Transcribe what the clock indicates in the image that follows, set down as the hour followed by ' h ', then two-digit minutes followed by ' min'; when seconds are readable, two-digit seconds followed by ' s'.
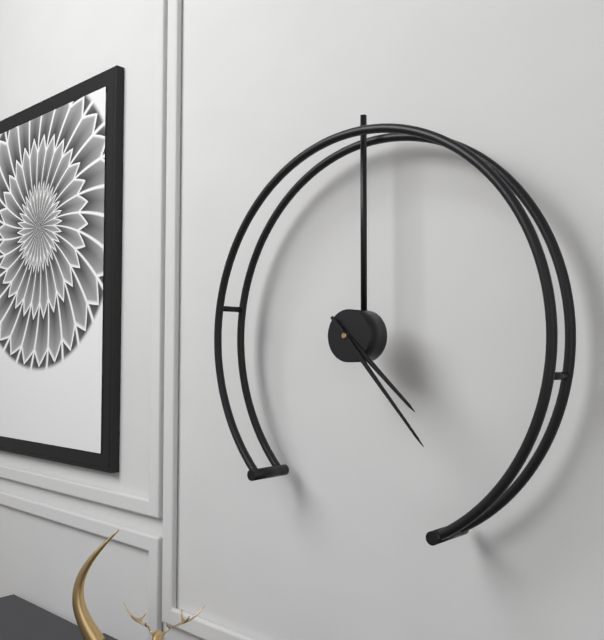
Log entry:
4 h 23 min
